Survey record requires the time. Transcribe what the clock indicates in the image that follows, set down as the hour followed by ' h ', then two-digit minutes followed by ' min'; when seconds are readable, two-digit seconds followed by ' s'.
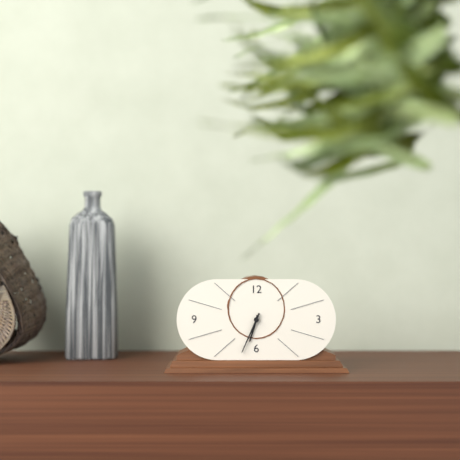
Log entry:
6 h 34 min
